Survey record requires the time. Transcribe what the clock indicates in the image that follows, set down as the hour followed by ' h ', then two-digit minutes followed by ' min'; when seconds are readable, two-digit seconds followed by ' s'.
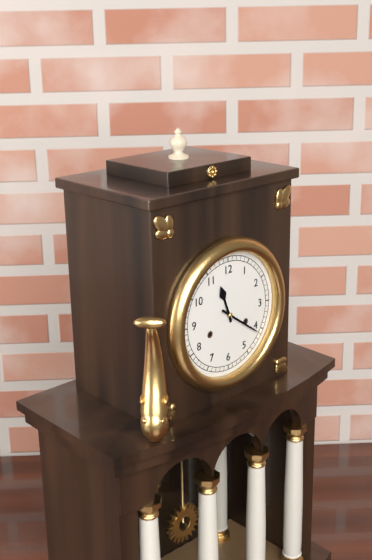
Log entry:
11 h 21 min
